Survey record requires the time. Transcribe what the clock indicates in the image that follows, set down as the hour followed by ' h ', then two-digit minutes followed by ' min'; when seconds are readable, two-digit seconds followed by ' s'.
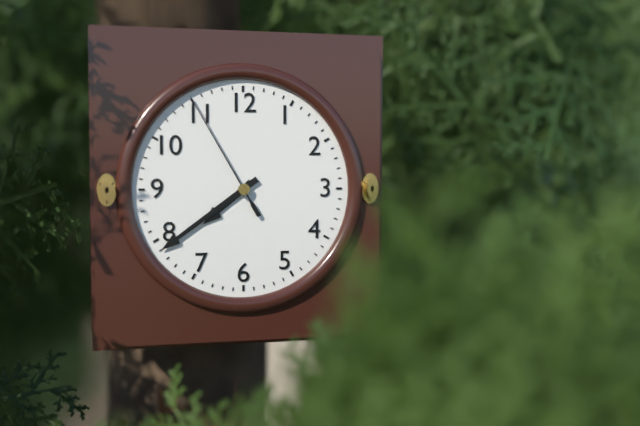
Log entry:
7 h 39 min 55 s
